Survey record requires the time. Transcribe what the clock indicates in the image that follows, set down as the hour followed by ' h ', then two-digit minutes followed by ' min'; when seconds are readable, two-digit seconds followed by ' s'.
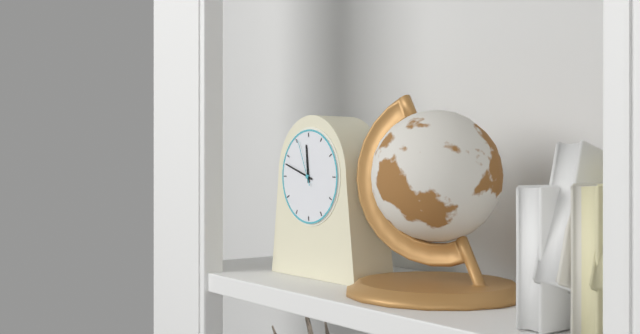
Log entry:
11 h 48 min
